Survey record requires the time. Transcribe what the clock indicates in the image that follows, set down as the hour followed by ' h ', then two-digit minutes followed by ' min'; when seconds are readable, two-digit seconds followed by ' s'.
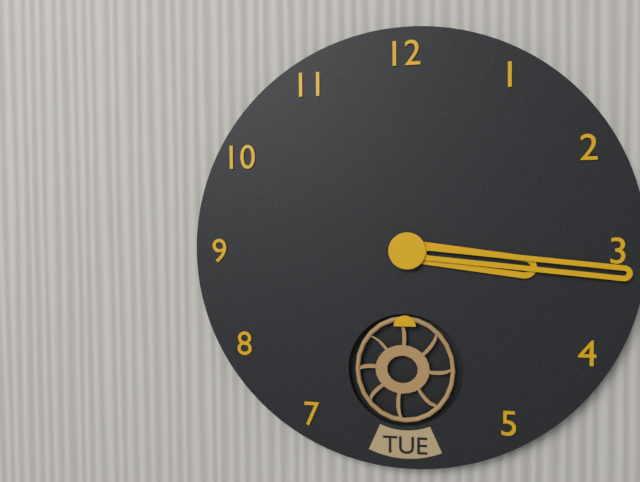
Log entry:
3 h 16 min
